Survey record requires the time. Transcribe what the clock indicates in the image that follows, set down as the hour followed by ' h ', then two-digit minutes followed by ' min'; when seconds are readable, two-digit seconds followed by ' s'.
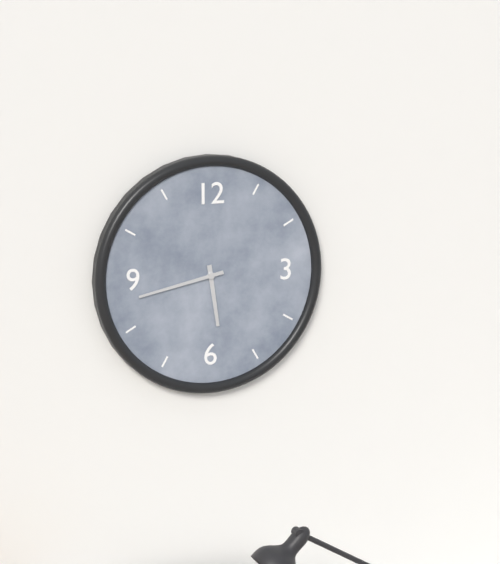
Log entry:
5 h 43 min
